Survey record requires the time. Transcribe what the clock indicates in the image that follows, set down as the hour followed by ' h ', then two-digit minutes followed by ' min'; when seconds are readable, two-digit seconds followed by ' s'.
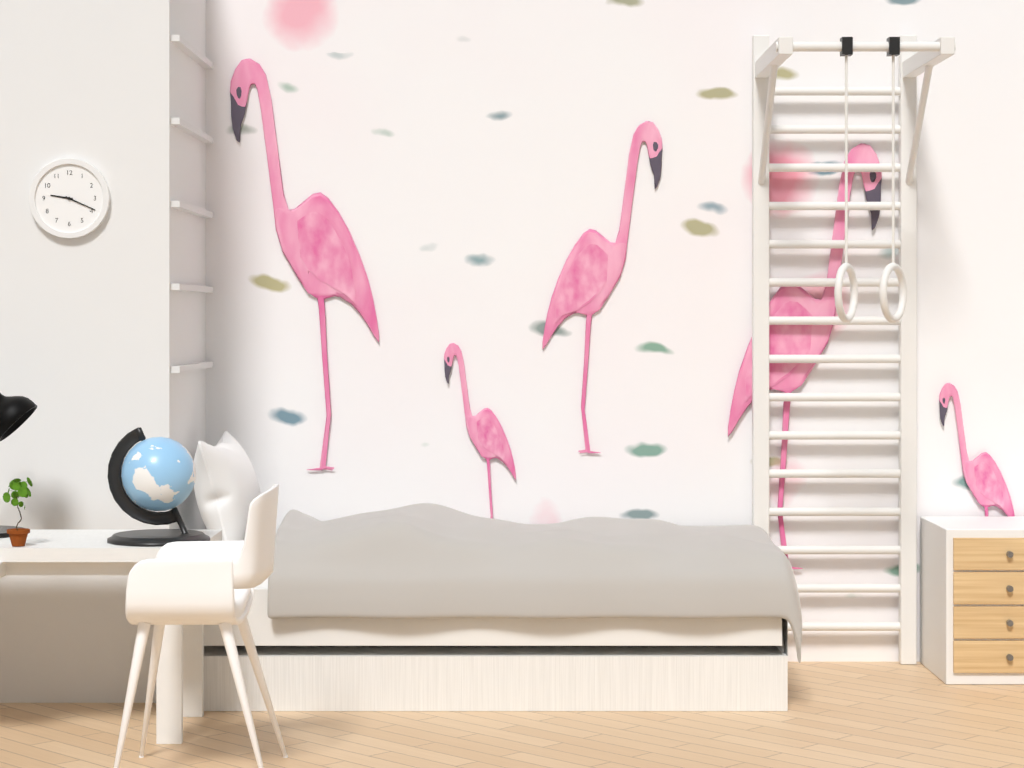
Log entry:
9 h 19 min
